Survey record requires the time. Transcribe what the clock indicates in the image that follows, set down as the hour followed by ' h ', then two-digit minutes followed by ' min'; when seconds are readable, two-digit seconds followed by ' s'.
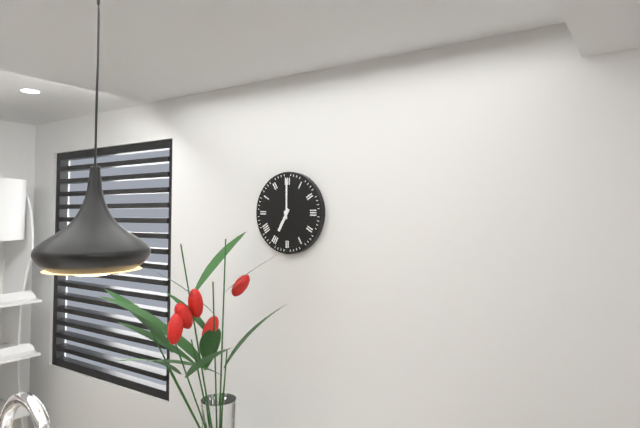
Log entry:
7 h 00 min
